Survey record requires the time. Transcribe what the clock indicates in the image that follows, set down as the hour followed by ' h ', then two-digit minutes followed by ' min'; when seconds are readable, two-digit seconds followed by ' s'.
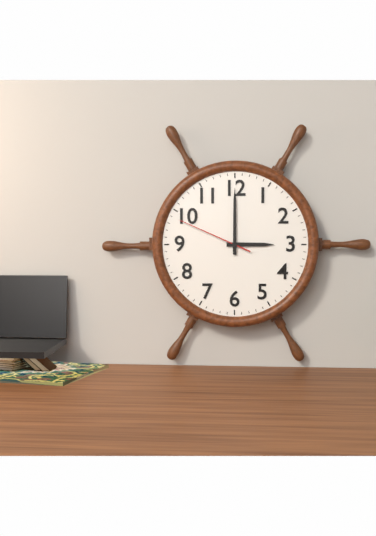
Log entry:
3 h 00 min 49 s
